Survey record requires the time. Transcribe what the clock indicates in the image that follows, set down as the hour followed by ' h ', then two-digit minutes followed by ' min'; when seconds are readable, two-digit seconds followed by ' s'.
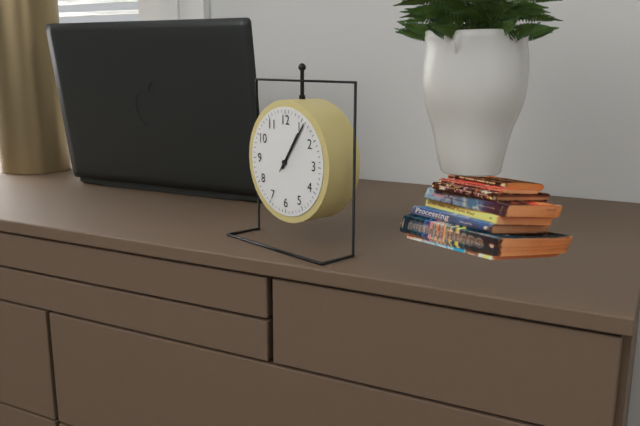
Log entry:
1 h 06 min
